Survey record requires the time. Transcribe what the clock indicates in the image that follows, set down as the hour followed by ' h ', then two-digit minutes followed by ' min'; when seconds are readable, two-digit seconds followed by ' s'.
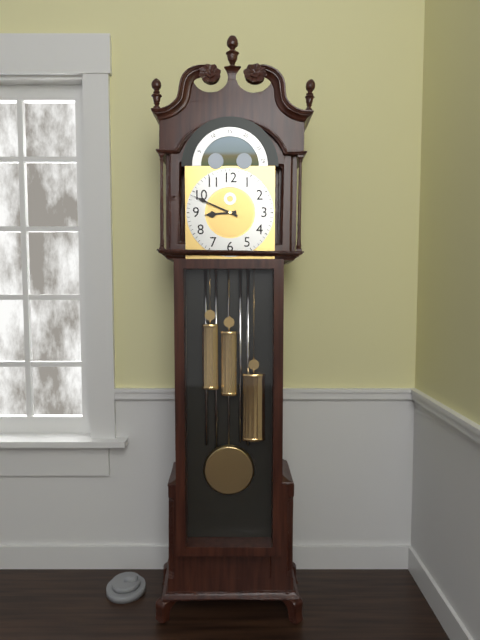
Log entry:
8 h 49 min
